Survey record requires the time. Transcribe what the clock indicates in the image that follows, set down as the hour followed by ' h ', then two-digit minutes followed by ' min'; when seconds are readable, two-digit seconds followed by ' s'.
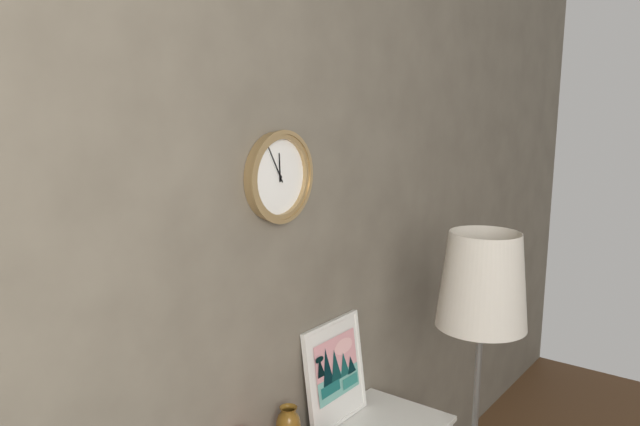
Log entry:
11 h 55 min
